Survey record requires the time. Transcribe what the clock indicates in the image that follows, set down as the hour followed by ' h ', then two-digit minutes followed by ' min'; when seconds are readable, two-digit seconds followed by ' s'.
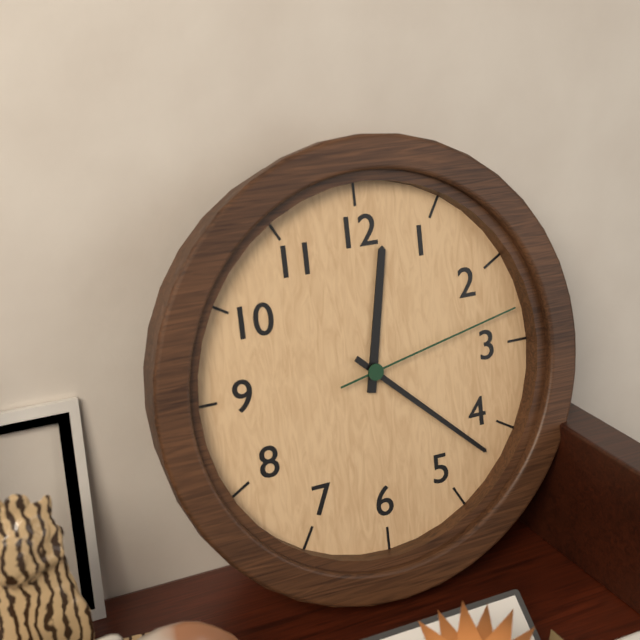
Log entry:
12 h 22 min 13 s
